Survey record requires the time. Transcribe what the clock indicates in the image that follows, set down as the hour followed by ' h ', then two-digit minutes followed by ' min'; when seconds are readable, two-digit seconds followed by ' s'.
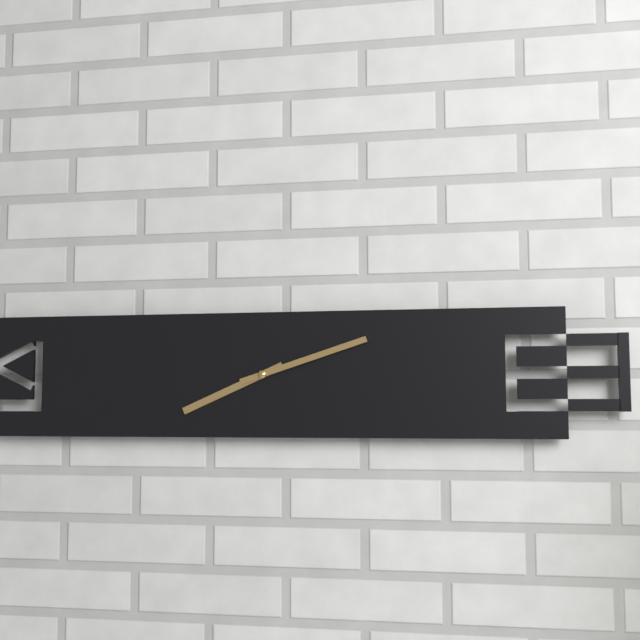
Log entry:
8 h 12 min
